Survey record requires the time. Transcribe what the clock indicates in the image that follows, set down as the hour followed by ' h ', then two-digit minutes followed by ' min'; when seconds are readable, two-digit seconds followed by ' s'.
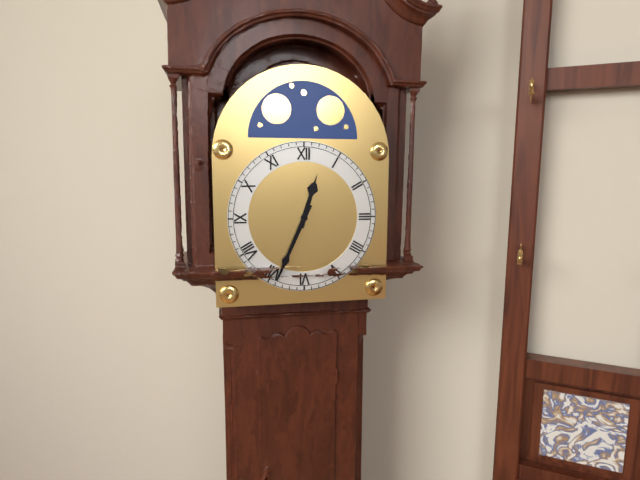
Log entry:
12 h 34 min
